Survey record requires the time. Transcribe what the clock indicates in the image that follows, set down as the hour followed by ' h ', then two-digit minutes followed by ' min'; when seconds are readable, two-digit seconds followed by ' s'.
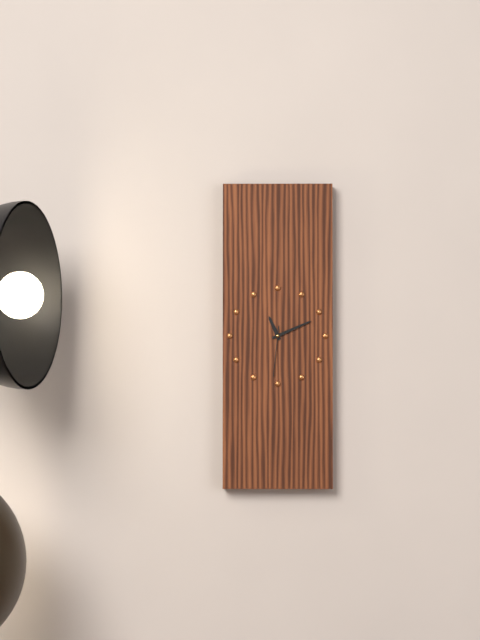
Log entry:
11 h 11 min 31 s
